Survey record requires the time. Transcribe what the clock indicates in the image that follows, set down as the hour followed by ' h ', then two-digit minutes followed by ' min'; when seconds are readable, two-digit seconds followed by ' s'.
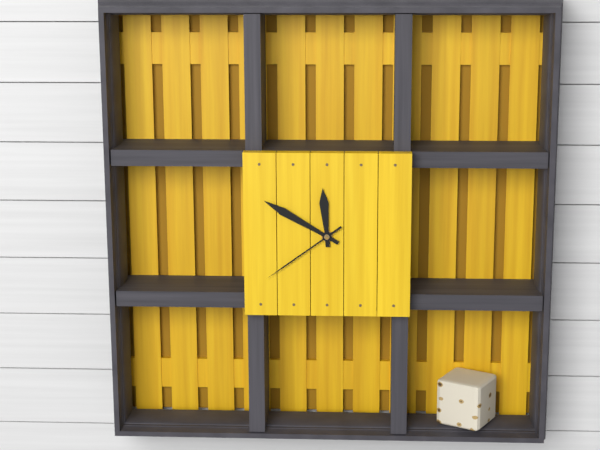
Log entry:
11 h 50 min 39 s
